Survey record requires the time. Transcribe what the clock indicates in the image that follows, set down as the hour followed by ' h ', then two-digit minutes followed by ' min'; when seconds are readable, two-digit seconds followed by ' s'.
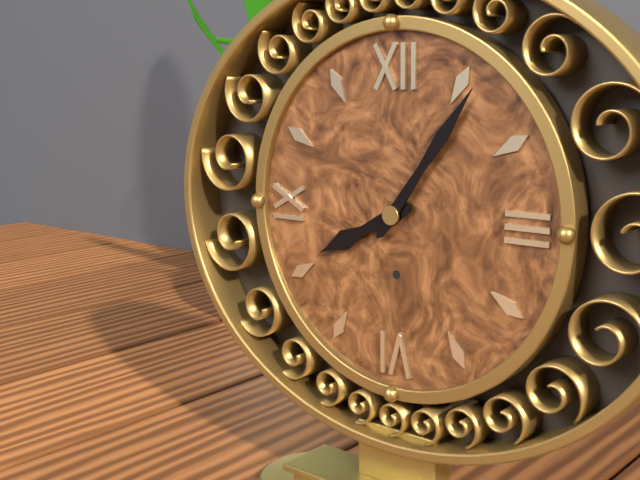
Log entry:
8 h 06 min
